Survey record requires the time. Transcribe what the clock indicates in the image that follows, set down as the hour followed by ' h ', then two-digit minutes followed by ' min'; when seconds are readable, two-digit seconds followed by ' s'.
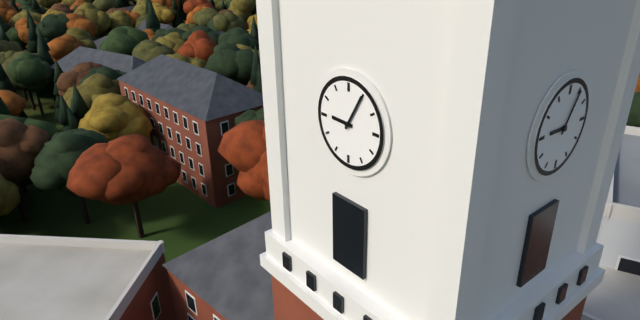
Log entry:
9 h 05 min
